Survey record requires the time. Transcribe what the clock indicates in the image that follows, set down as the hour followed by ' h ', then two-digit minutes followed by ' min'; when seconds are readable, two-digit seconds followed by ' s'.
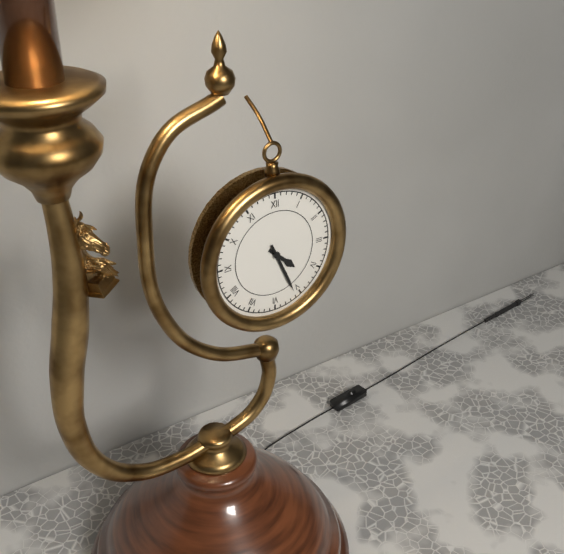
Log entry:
4 h 26 min
